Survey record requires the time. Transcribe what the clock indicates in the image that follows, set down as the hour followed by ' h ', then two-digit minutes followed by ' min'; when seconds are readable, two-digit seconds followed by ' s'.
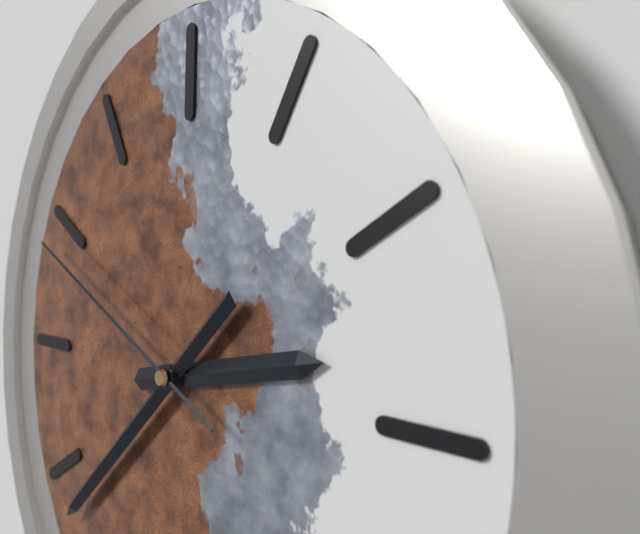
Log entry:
2 h 38 min 49 s
